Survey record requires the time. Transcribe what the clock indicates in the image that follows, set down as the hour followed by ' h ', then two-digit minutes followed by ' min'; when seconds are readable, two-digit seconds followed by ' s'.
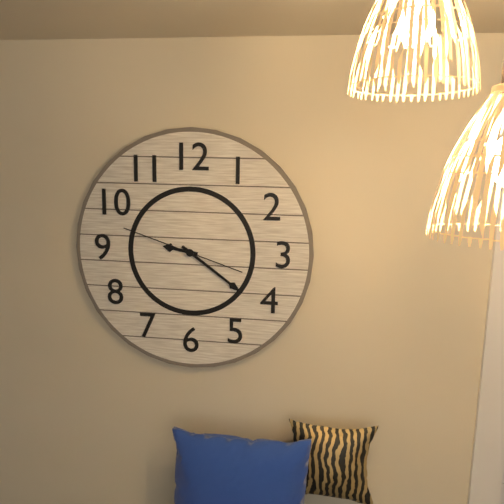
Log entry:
9 h 21 min 48 s
